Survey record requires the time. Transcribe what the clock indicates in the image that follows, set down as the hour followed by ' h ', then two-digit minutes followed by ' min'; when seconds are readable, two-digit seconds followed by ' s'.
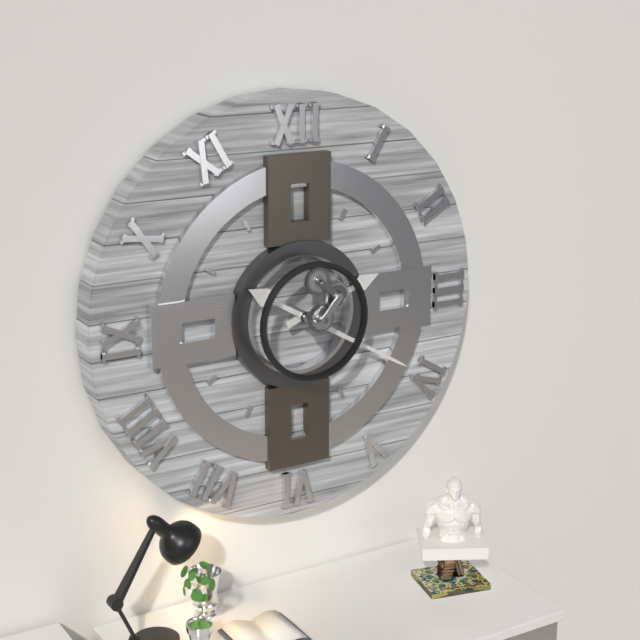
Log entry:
2 h 20 min
